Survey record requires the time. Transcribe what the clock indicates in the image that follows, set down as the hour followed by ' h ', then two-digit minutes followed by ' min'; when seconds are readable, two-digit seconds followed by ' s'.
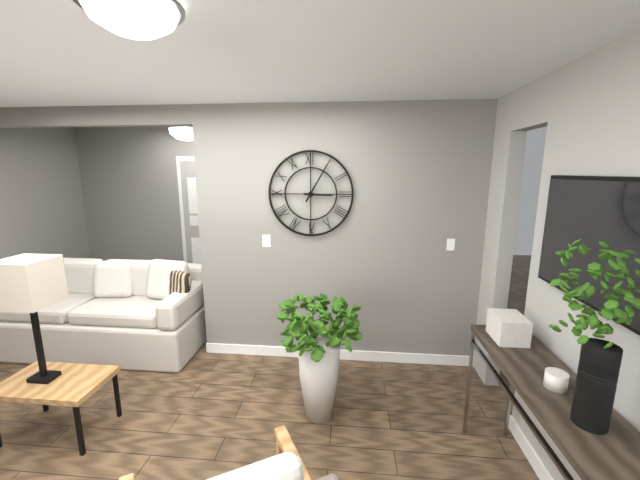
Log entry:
3 h 05 min
